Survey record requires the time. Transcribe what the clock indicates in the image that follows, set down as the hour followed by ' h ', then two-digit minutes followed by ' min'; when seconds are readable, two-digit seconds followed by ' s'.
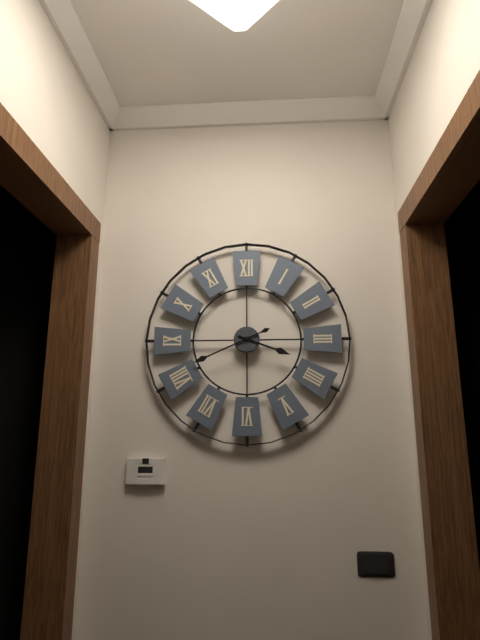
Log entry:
3 h 41 min
